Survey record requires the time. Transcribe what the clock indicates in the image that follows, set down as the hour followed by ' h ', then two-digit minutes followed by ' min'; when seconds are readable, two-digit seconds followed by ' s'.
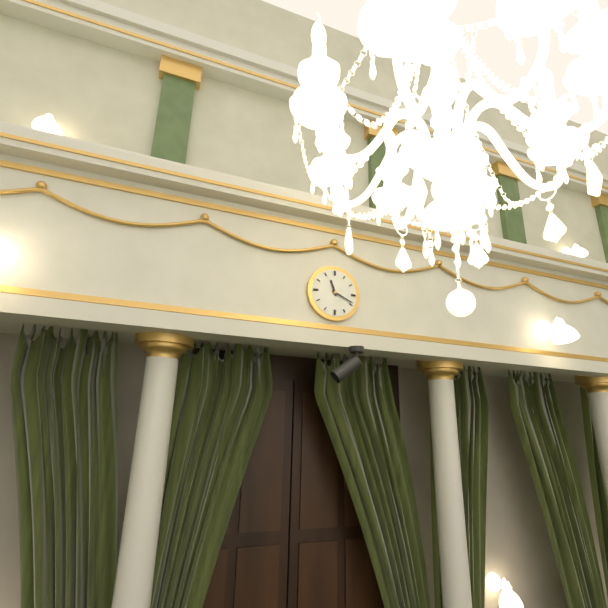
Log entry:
11 h 19 min
